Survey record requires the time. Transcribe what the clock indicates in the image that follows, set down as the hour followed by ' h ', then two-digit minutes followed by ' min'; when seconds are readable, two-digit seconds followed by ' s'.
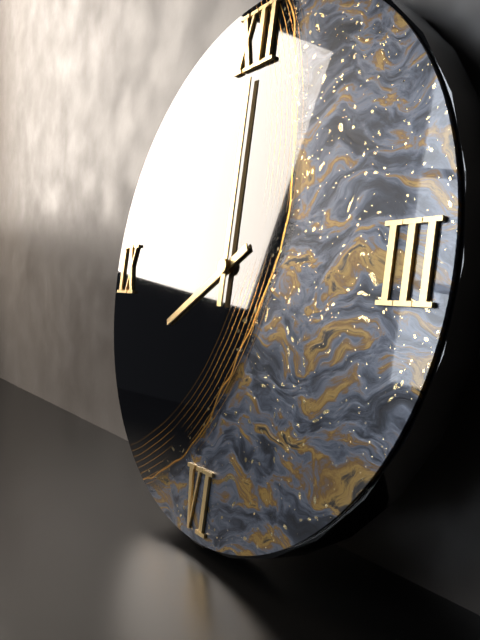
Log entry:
8 h 00 min
